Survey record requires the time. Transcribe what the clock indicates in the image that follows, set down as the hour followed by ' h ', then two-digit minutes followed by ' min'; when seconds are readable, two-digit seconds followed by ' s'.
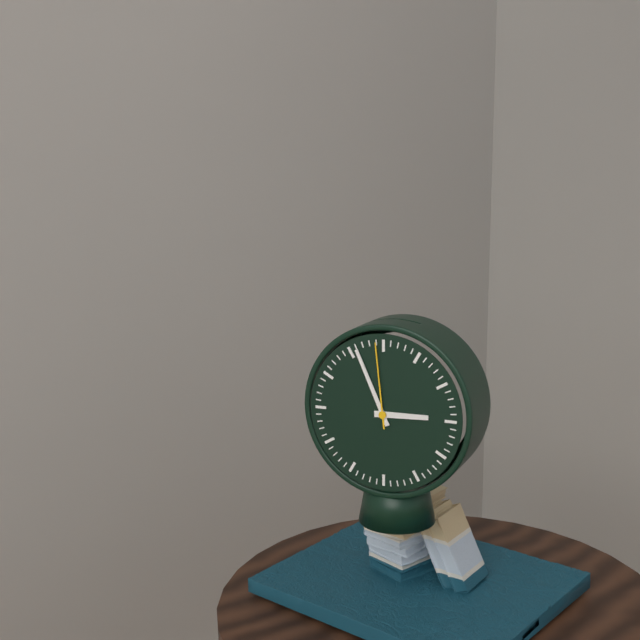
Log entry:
2 h 56 min 59 s
